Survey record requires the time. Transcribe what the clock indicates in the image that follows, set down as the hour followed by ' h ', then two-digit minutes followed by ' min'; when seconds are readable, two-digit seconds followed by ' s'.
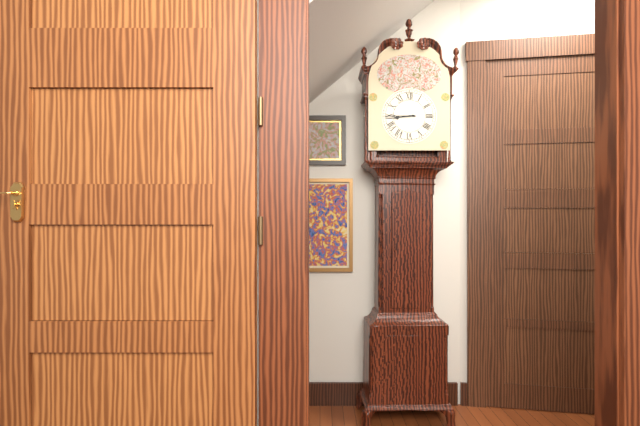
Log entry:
8 h 45 min
